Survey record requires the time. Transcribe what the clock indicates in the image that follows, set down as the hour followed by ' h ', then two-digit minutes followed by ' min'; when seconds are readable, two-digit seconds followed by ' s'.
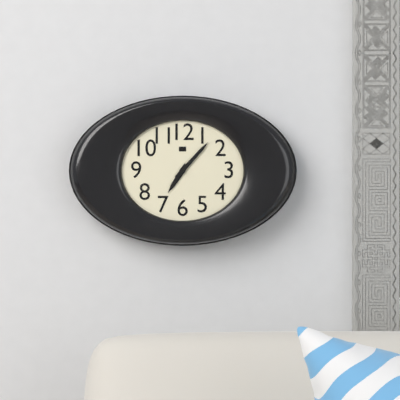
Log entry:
7 h 07 min
